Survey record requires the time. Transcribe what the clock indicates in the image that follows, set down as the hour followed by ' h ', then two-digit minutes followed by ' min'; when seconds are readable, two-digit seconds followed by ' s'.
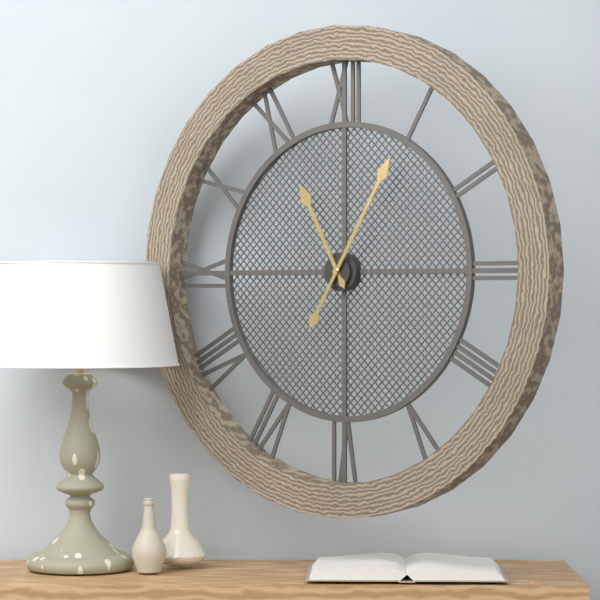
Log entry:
11 h 05 min
